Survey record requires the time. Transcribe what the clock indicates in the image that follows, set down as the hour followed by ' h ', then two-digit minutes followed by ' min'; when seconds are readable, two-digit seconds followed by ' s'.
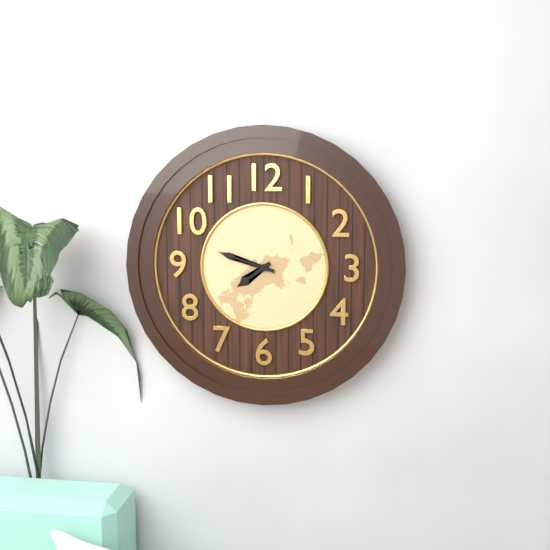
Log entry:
7 h 48 min
